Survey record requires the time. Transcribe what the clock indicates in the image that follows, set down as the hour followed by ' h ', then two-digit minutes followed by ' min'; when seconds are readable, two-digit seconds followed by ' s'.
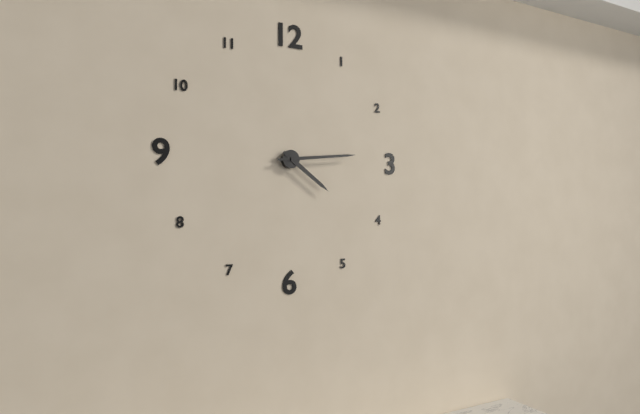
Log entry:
4 h 14 min
